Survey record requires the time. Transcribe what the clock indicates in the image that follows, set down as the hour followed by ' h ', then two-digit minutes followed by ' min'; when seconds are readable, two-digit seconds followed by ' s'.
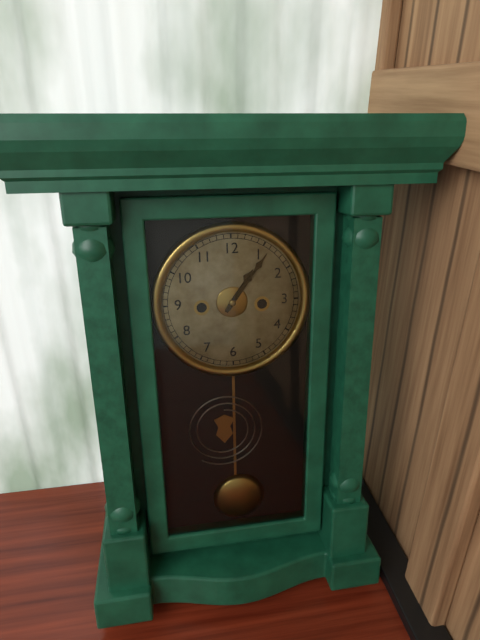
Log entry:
1 h 06 min
